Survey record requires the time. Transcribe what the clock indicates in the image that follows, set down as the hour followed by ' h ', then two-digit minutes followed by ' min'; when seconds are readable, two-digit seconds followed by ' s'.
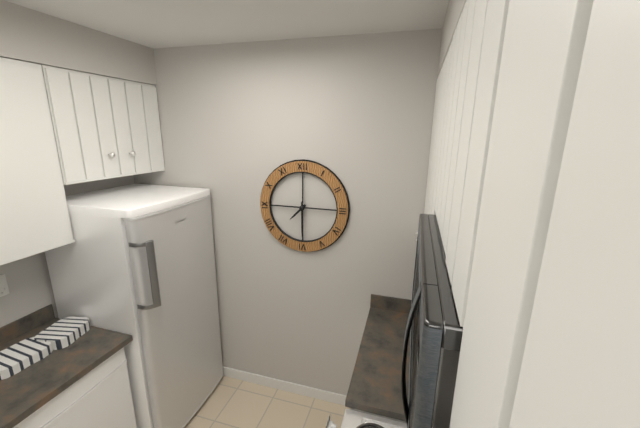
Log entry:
7 h 30 min
